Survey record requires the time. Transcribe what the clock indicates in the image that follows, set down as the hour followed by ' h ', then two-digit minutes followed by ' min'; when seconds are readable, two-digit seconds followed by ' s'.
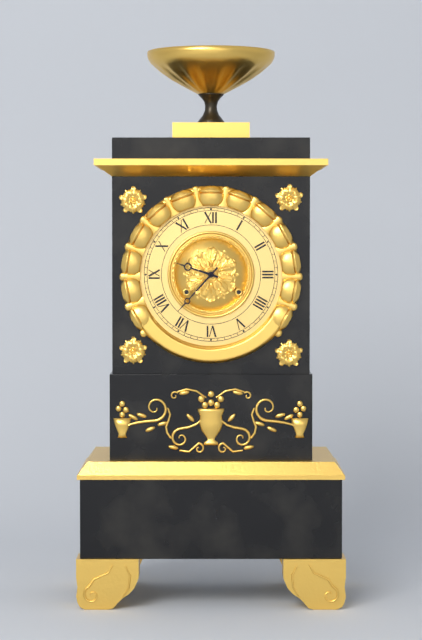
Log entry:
9 h 37 min
